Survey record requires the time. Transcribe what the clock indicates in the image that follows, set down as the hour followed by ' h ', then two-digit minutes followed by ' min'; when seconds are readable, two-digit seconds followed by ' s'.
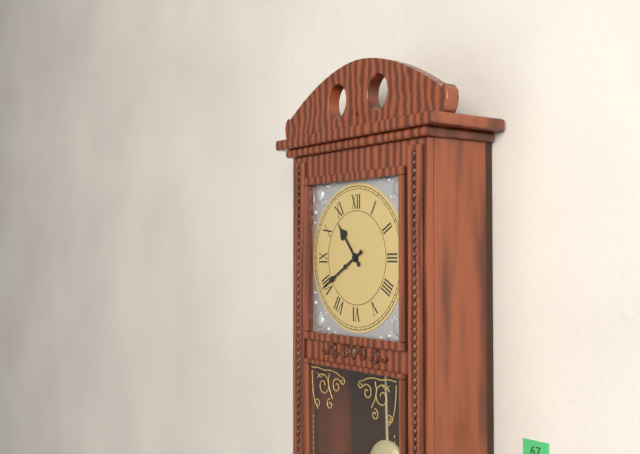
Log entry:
10 h 40 min
